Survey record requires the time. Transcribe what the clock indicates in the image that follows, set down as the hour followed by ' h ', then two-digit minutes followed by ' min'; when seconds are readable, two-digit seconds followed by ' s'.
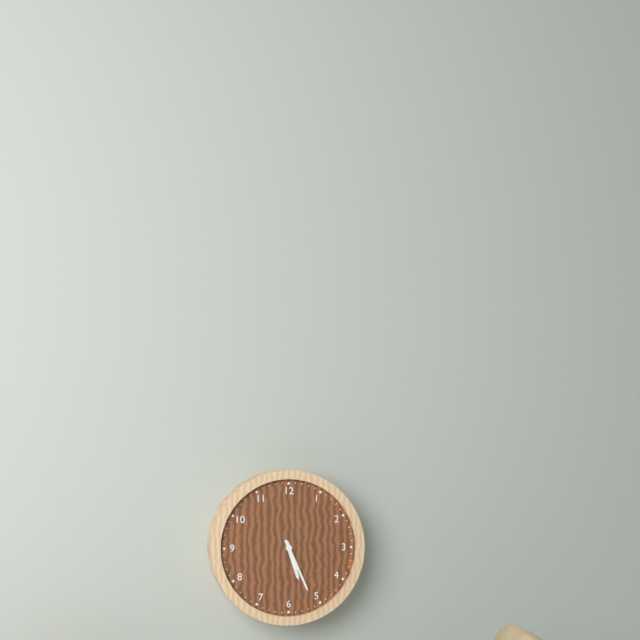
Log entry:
5 h 26 min
